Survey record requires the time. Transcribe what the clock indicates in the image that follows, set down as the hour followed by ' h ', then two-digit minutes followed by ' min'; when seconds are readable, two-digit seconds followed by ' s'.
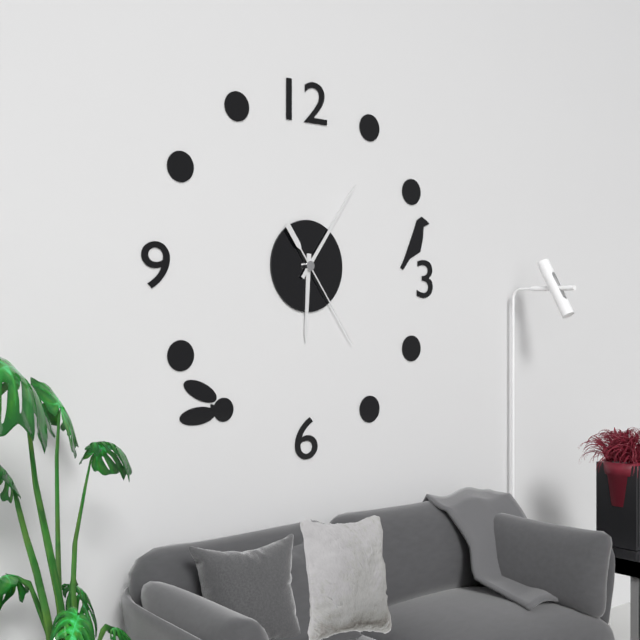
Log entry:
6 h 06 min 24 s
